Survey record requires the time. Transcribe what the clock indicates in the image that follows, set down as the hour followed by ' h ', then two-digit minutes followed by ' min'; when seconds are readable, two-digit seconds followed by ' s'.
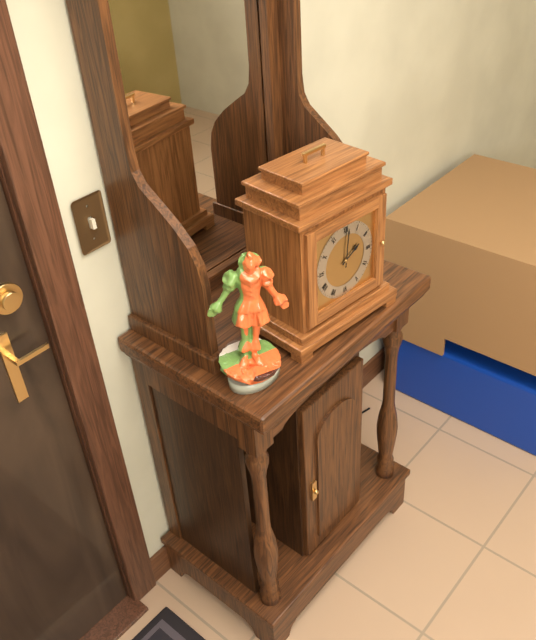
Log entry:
2 h 01 min
